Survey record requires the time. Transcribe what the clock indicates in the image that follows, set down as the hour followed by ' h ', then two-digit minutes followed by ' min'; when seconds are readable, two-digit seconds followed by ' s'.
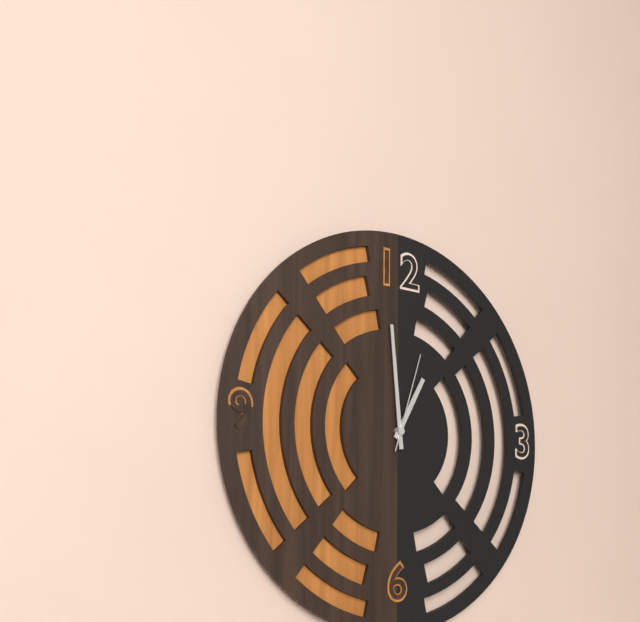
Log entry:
12 h 59 min 03 s
